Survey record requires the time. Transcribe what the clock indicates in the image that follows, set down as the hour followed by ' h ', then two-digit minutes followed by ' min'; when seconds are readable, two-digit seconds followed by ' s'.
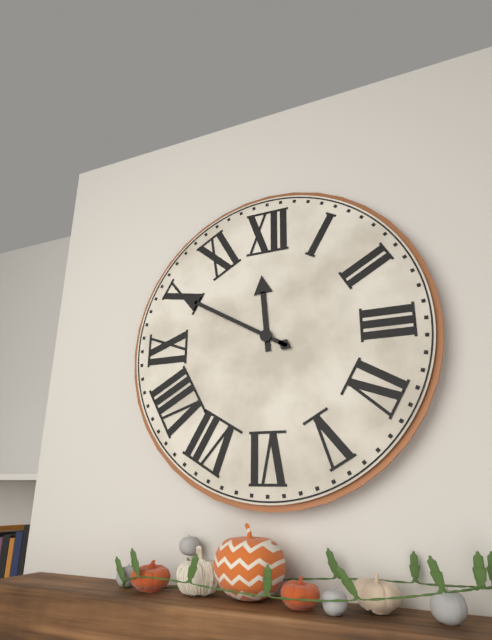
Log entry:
11 h 50 min
